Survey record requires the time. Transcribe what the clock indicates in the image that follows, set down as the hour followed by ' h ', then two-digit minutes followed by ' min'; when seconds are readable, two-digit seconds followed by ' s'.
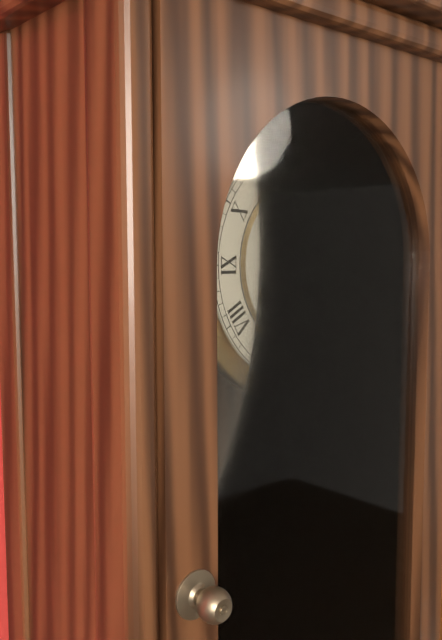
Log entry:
2 h 02 min
